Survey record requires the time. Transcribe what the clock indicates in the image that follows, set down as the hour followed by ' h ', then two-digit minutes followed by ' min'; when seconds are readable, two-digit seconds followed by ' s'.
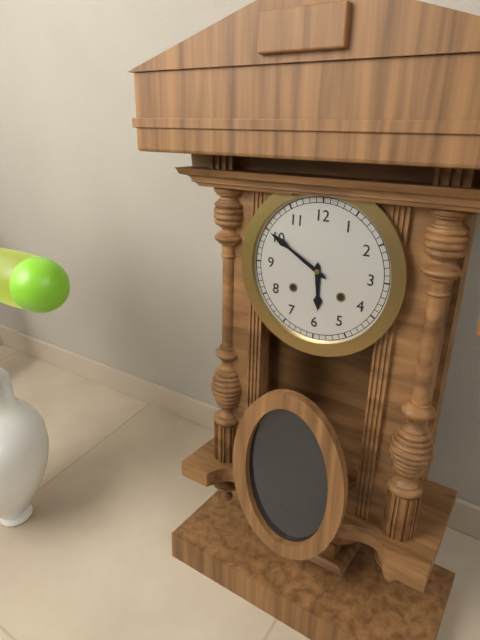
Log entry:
5 h 50 min
